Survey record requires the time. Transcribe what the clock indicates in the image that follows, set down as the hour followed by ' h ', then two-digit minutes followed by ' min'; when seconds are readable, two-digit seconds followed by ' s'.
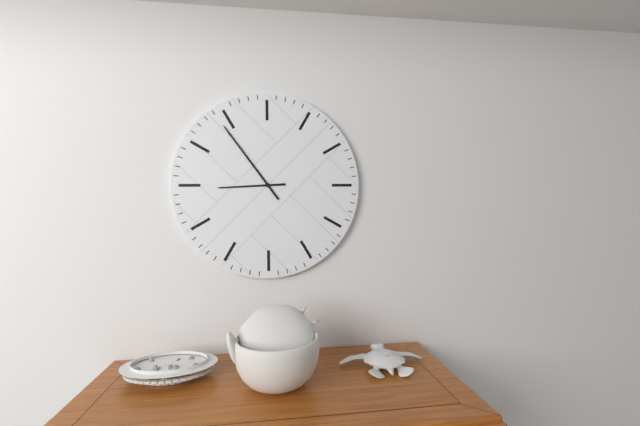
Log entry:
8 h 54 min
